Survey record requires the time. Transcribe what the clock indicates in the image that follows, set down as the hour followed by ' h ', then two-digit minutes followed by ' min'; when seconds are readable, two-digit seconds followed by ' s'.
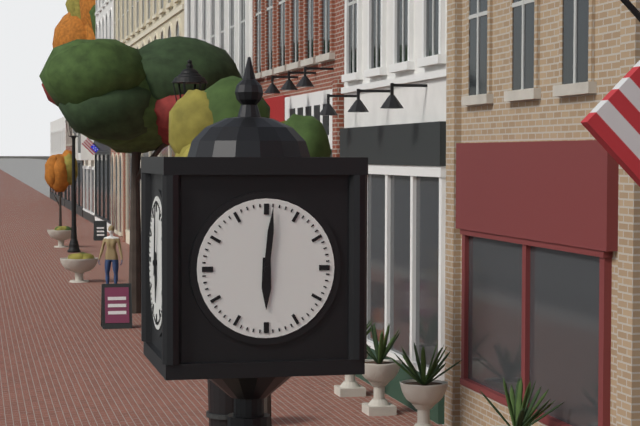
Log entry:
6 h 01 min
